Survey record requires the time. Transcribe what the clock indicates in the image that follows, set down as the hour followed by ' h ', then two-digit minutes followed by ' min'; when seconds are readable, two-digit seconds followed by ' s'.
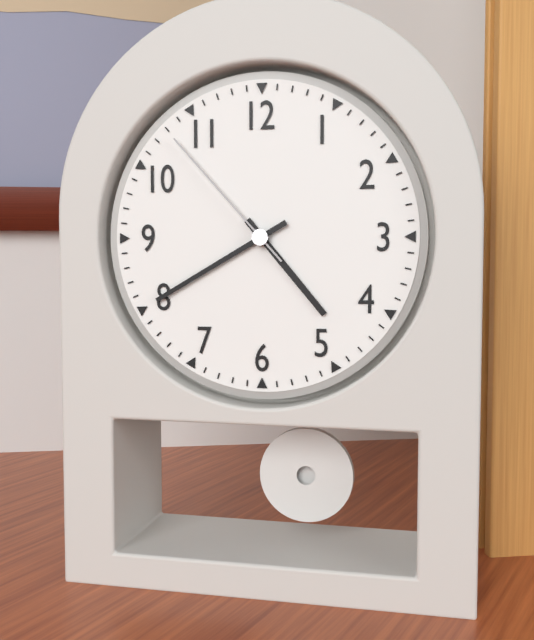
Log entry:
4 h 40 min 53 s
